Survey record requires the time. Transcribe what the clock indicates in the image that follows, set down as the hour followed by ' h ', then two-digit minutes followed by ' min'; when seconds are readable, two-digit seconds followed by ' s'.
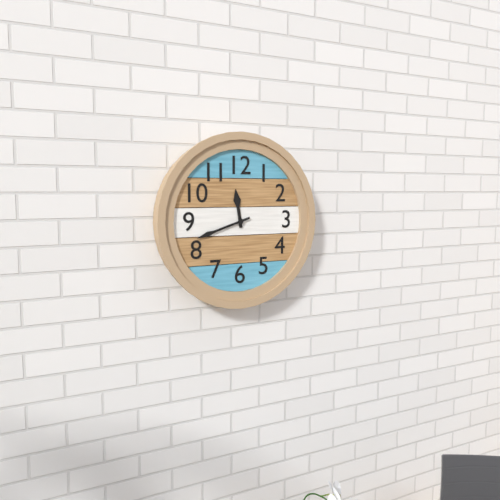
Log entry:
11 h 42 min
